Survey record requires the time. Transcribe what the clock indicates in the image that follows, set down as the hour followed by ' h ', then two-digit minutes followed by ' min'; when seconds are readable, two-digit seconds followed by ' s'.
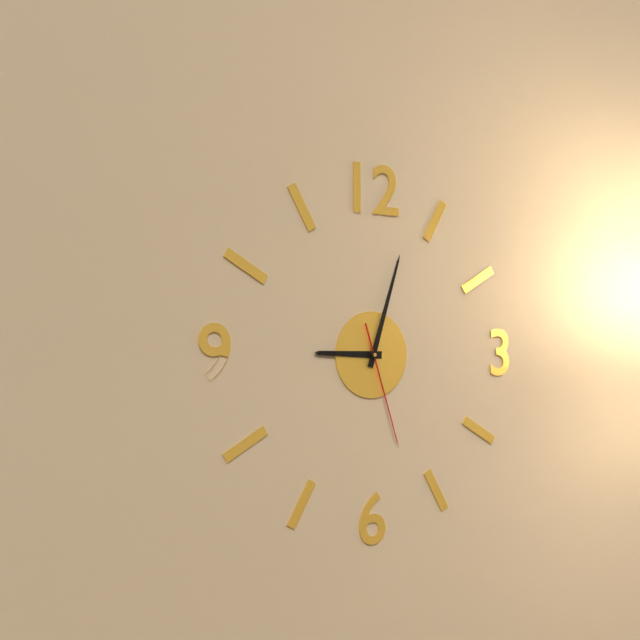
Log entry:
9 h 03 min 27 s
